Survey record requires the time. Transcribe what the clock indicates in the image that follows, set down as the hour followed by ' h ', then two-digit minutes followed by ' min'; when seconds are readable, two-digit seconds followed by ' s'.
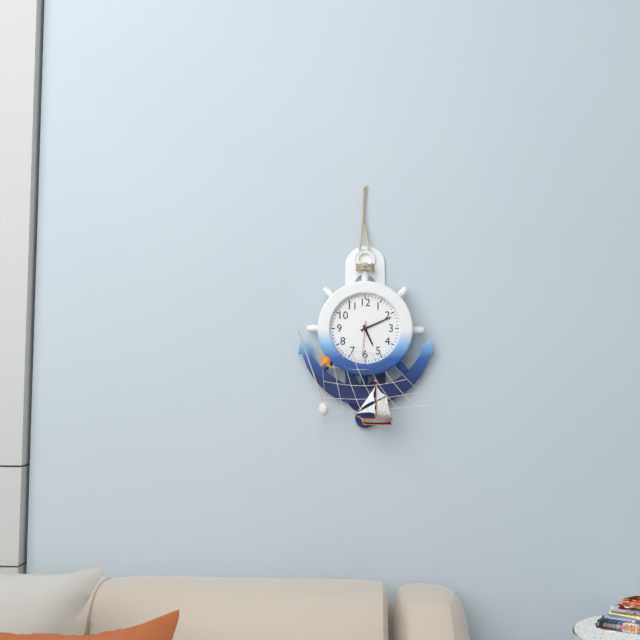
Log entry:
5 h 11 min
